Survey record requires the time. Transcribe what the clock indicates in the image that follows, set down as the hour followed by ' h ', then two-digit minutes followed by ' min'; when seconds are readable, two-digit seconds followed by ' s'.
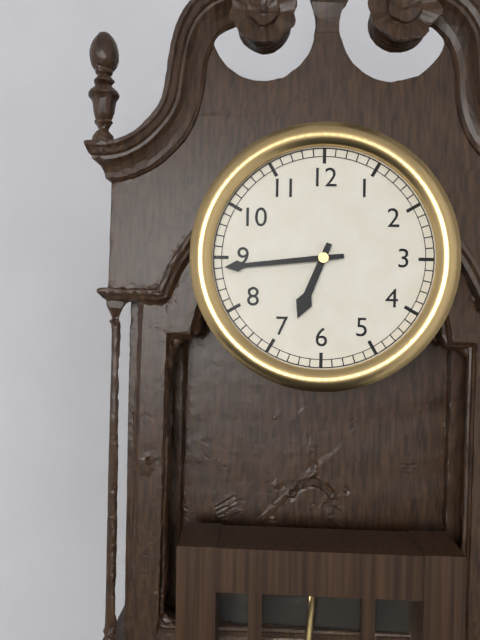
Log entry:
6 h 44 min
